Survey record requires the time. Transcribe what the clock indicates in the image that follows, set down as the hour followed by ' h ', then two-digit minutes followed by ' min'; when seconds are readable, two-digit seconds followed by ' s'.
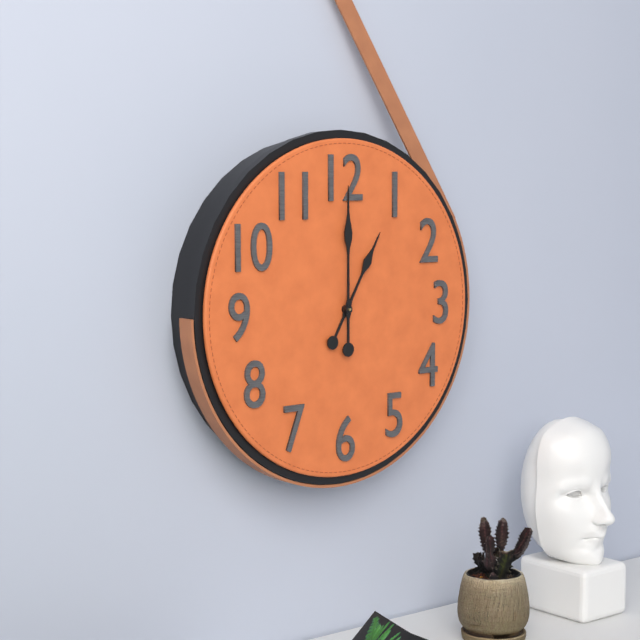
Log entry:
1 h 00 min
